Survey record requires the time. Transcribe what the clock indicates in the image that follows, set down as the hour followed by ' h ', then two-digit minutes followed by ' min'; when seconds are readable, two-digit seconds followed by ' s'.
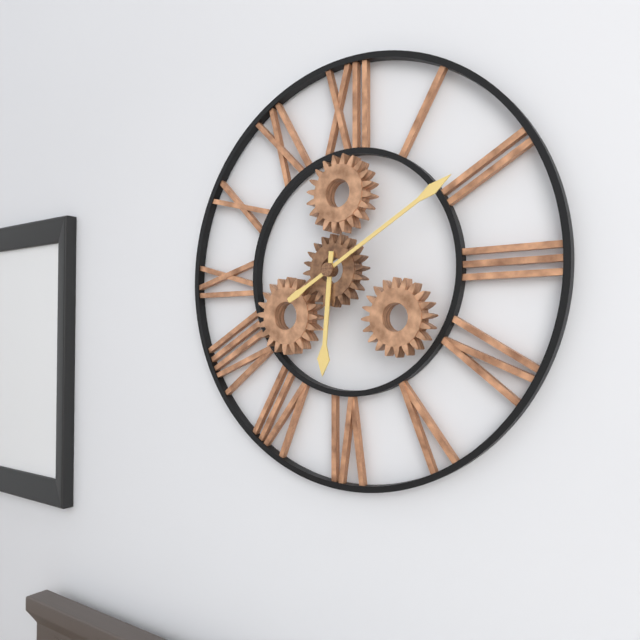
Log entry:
6 h 10 min
